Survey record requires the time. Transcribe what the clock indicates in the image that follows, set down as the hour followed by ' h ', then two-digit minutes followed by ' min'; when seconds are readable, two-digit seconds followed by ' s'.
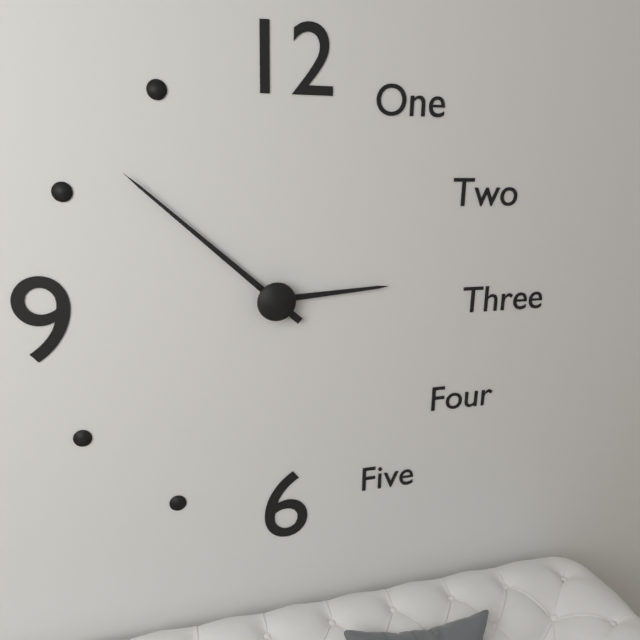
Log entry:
2 h 52 min
